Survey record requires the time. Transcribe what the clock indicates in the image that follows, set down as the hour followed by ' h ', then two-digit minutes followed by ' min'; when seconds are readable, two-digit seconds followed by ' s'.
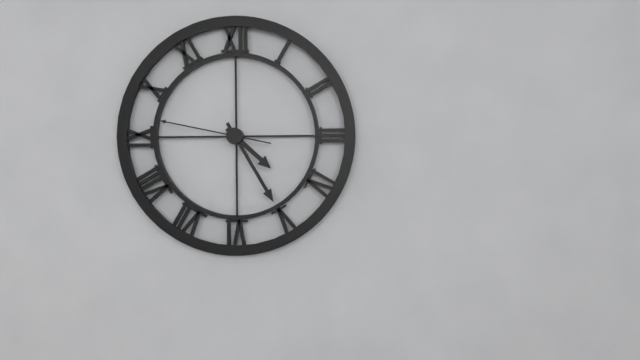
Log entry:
4 h 25 min 47 s
